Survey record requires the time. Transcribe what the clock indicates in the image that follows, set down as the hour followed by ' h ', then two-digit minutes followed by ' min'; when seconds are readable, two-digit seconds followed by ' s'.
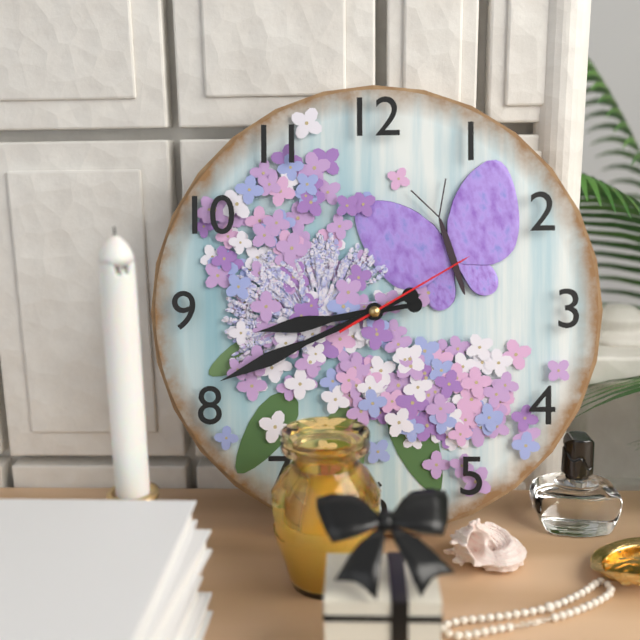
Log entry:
8 h 41 min 10 s
